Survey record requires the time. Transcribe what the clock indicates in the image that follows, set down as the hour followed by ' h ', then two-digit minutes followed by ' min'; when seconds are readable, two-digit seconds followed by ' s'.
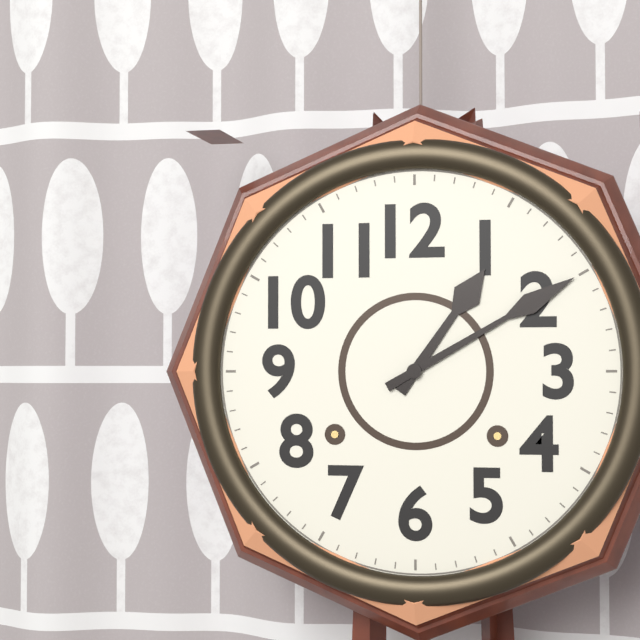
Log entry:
1 h 10 min
